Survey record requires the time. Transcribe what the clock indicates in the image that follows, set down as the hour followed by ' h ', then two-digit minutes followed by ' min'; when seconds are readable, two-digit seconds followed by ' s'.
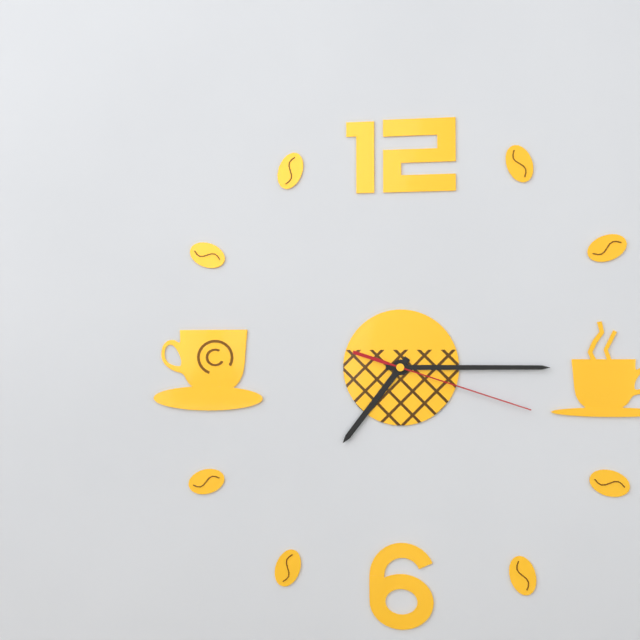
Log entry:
7 h 15 min 18 s
